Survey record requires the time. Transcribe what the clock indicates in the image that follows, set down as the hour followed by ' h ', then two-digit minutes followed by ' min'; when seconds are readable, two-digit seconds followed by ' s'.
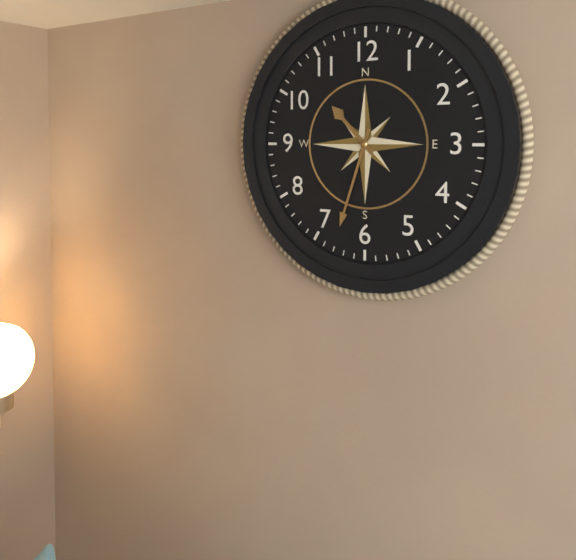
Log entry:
10 h 33 min
